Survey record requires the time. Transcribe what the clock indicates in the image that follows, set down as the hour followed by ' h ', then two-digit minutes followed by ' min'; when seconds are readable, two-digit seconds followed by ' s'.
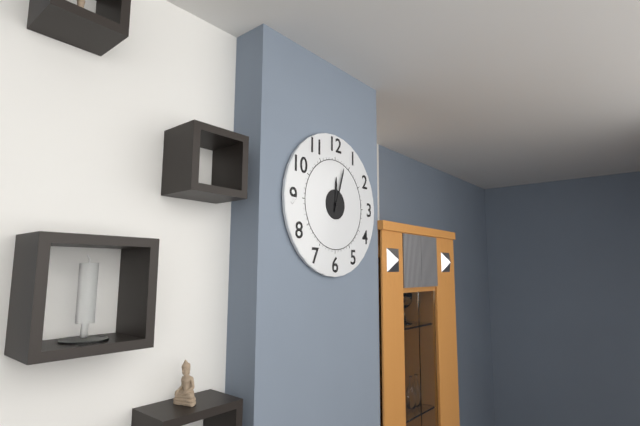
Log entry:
12 h 03 min
